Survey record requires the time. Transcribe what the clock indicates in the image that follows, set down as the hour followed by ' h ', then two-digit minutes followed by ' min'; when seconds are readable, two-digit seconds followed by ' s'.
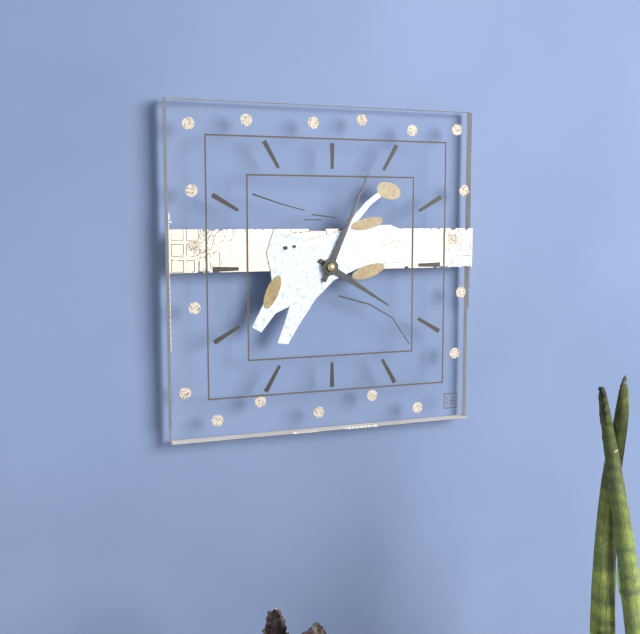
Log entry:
4 h 04 min
